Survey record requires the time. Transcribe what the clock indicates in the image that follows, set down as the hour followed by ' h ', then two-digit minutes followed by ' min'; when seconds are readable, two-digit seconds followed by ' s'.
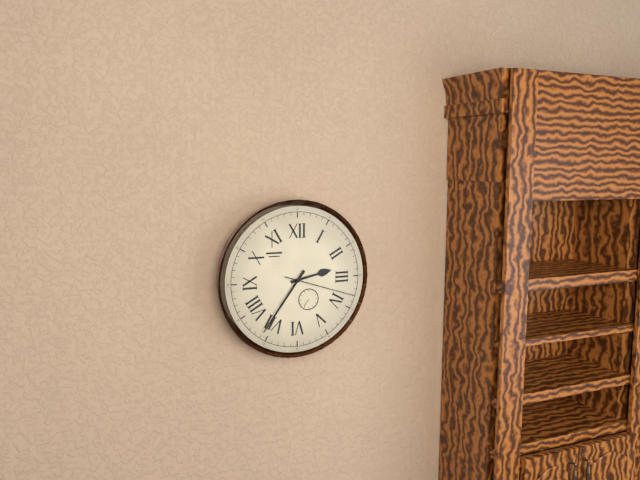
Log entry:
2 h 36 min 18 s
